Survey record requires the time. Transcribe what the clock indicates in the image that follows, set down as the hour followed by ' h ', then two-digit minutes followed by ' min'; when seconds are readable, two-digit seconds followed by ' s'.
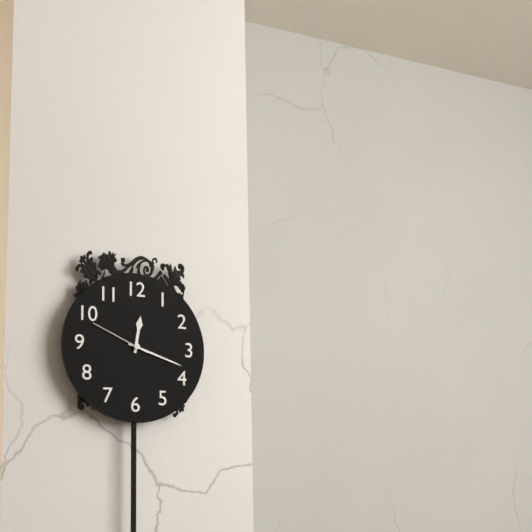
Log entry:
12 h 18 min 49 s
